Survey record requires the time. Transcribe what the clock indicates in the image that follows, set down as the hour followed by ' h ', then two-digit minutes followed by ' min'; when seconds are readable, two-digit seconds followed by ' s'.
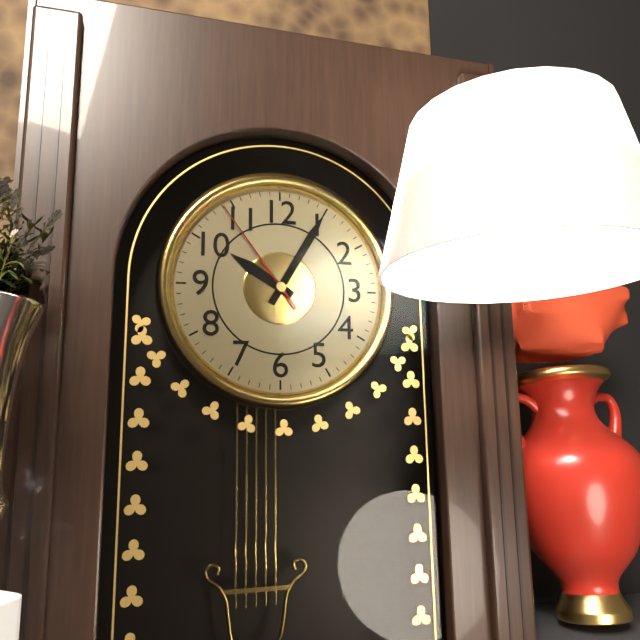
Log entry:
10 h 05 min 54 s
